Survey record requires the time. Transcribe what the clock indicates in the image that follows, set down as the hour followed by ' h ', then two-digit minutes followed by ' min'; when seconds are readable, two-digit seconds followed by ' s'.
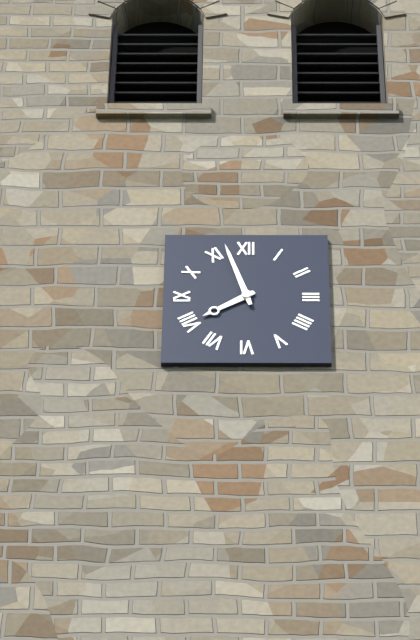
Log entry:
7 h 57 min
